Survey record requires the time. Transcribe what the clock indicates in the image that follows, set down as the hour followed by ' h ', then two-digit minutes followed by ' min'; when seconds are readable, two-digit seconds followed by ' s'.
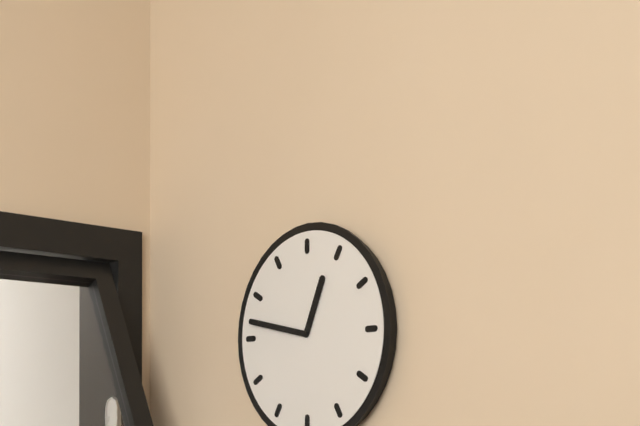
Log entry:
12 h 47 min
